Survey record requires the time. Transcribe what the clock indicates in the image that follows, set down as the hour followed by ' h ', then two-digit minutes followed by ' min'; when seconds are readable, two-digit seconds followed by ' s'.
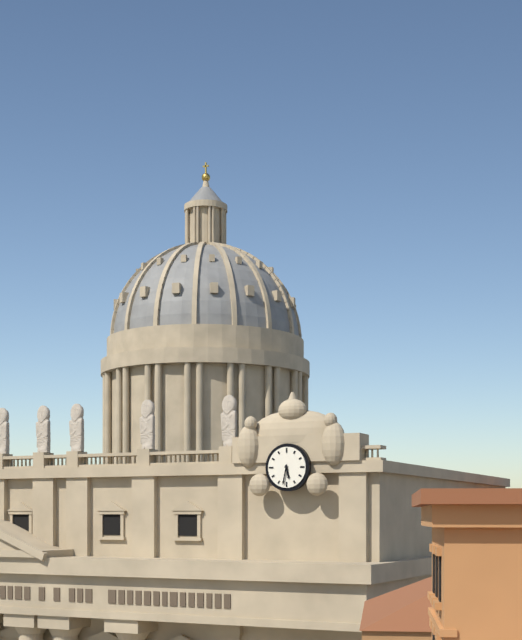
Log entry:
5 h 32 min
